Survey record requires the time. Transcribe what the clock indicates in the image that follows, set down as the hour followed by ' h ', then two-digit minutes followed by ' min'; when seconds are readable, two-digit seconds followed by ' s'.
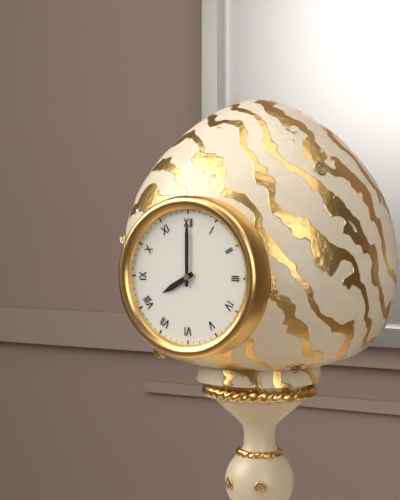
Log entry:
8 h 00 min
